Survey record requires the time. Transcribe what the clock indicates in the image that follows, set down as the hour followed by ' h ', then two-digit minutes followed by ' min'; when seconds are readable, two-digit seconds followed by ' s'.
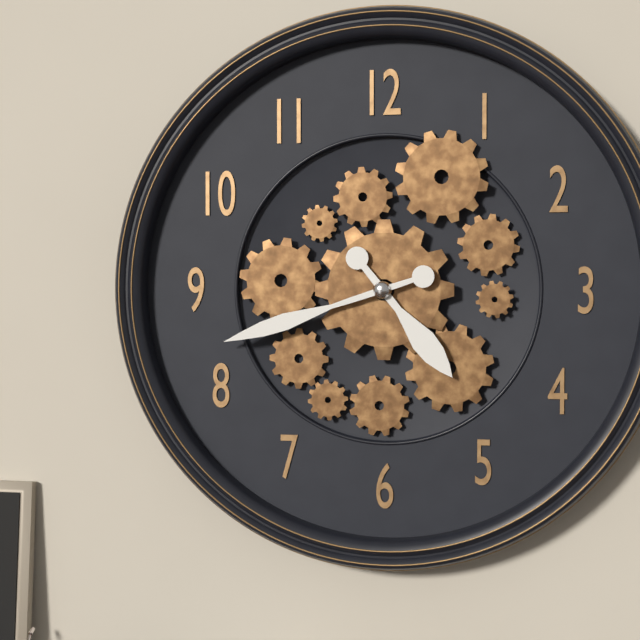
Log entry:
4 h 42 min
